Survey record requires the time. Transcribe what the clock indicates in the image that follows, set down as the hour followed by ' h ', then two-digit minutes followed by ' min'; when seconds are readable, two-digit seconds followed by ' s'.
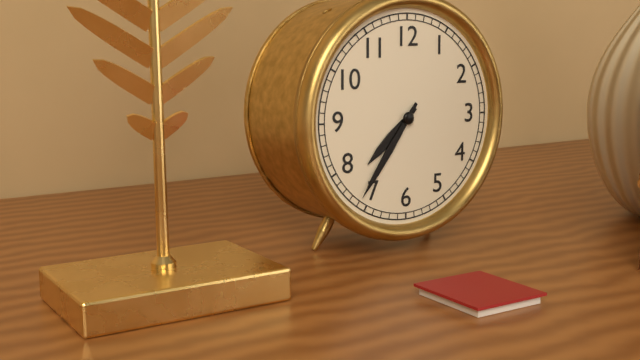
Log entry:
7 h 36 min
